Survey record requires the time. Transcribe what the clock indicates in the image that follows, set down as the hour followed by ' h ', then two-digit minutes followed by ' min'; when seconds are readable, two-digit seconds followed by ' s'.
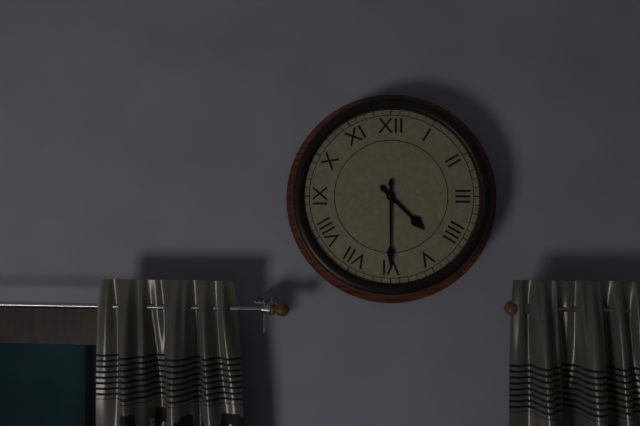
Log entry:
4 h 30 min
